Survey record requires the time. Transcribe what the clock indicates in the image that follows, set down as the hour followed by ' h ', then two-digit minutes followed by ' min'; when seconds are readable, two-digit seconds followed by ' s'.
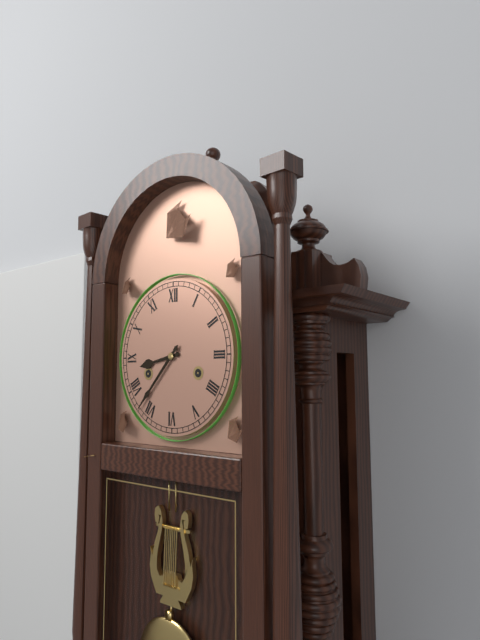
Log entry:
8 h 37 min
